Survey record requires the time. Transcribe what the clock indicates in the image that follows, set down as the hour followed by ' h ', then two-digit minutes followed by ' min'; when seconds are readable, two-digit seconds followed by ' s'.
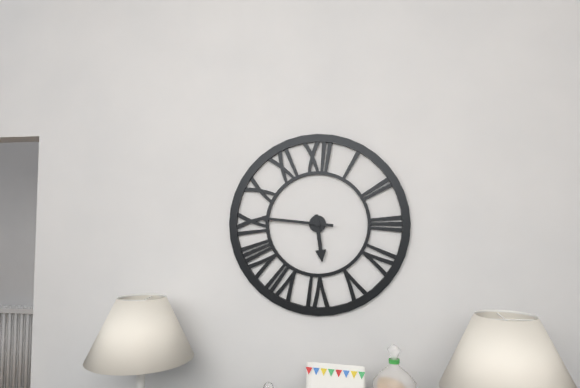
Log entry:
5 h 46 min
